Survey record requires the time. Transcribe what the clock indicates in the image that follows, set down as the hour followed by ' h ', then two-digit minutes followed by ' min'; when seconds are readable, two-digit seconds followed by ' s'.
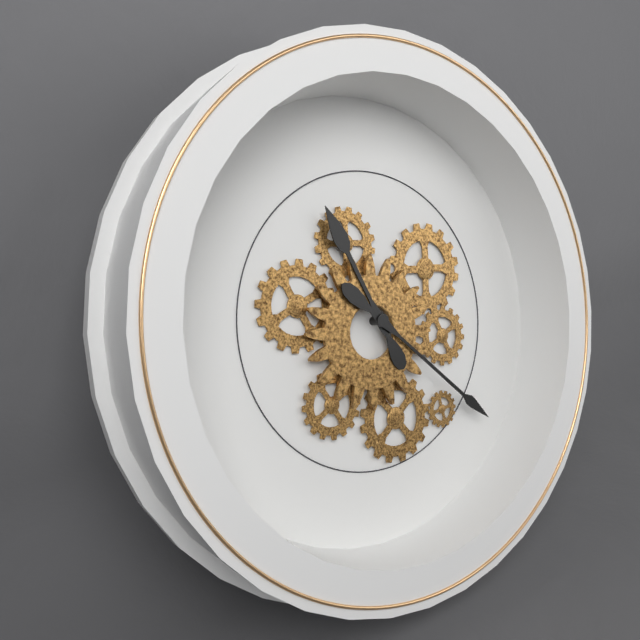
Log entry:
11 h 23 min
